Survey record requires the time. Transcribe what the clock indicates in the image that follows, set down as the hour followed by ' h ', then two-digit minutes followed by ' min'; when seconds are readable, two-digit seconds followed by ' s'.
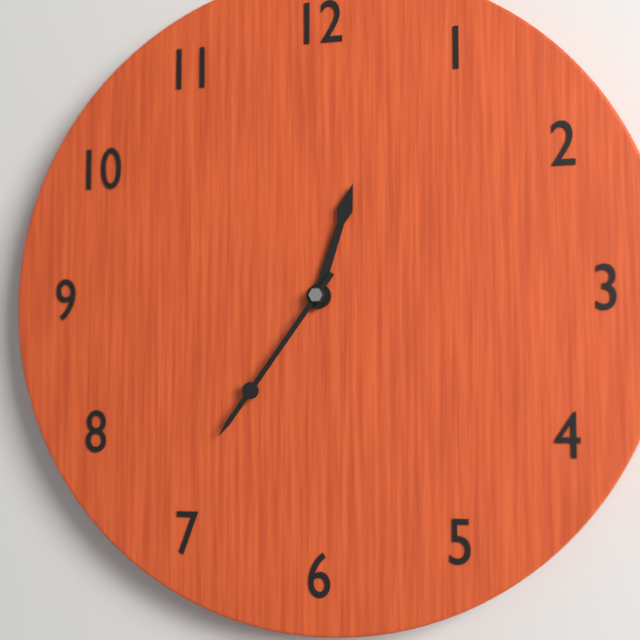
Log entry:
12 h 36 min
